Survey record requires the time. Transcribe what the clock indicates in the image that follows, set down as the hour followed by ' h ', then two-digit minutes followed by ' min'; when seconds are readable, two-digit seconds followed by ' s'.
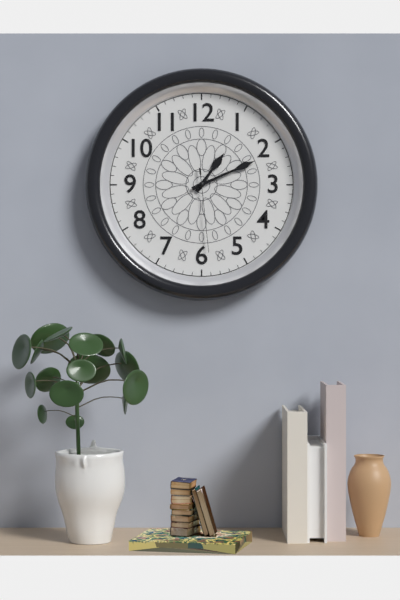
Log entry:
1 h 11 min 29 s
